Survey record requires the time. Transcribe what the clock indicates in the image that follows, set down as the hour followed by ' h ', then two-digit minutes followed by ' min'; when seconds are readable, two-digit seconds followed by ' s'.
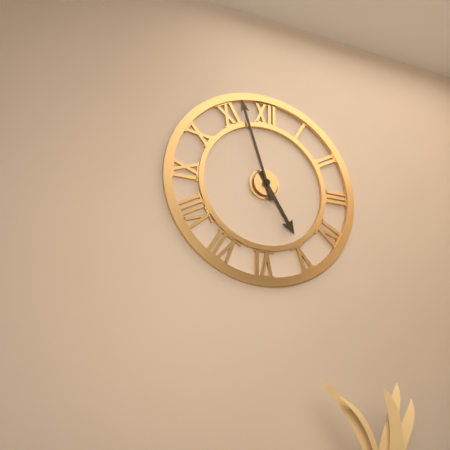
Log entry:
4 h 57 min
